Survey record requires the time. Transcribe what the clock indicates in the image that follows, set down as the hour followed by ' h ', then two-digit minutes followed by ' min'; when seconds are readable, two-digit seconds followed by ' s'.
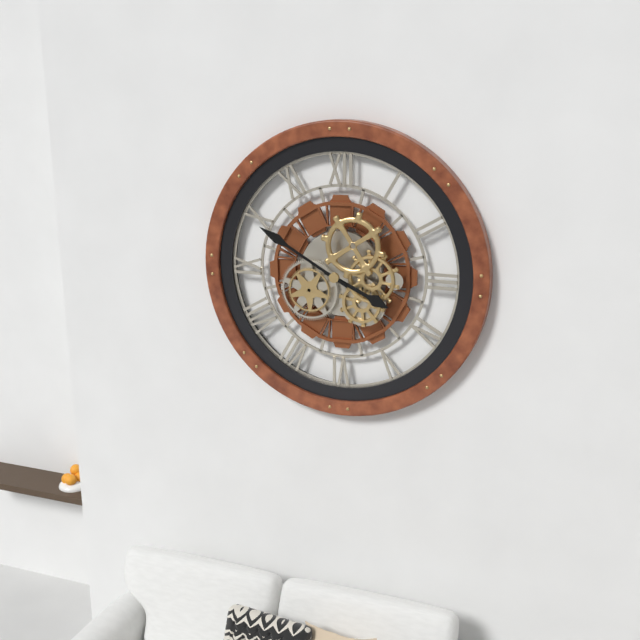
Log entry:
3 h 50 min
